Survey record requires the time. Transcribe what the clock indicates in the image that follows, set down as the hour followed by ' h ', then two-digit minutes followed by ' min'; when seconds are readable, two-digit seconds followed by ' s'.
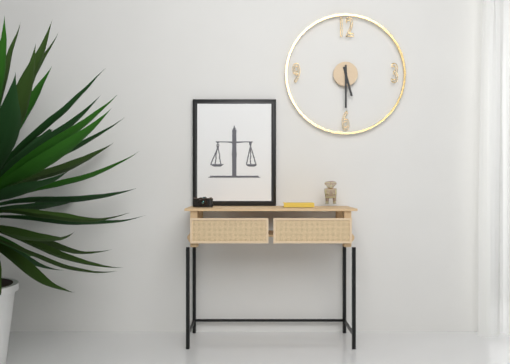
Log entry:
5 h 30 min
